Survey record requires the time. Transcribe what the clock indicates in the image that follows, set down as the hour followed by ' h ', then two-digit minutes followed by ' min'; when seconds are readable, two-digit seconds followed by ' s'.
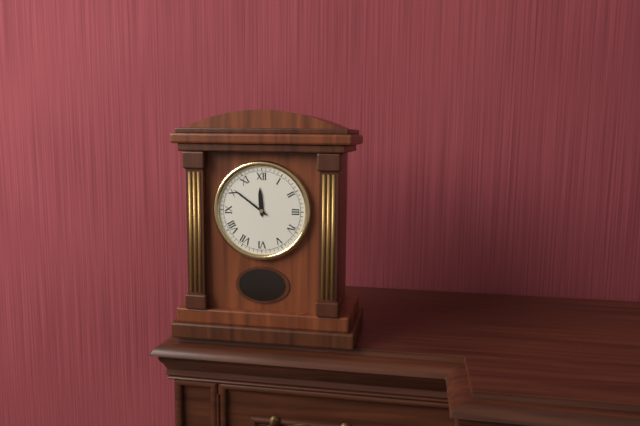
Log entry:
11 h 51 min
